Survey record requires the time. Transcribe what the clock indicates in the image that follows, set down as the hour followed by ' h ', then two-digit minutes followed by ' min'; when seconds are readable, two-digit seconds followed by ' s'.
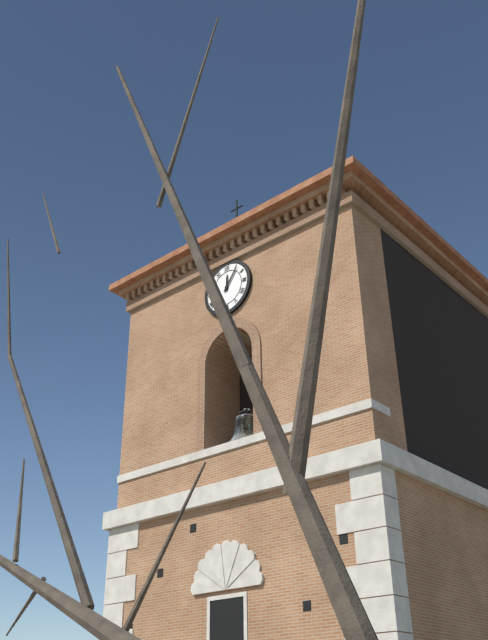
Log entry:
12 h 06 min
